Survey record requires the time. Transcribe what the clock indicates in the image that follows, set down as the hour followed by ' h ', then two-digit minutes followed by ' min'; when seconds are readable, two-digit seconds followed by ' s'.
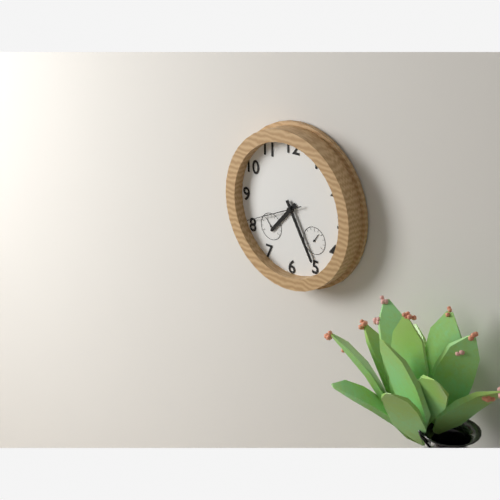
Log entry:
7 h 25 min 41 s
